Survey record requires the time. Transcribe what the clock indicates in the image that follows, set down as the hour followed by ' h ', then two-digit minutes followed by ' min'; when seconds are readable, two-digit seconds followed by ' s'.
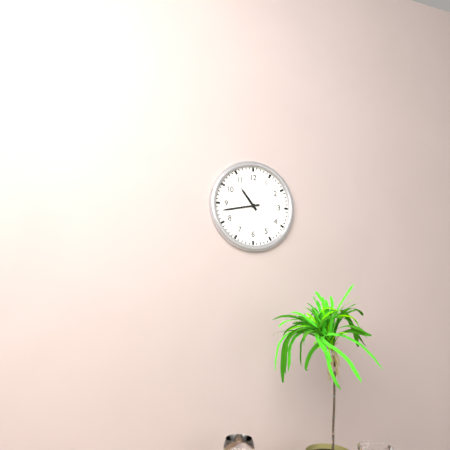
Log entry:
10 h 43 min
